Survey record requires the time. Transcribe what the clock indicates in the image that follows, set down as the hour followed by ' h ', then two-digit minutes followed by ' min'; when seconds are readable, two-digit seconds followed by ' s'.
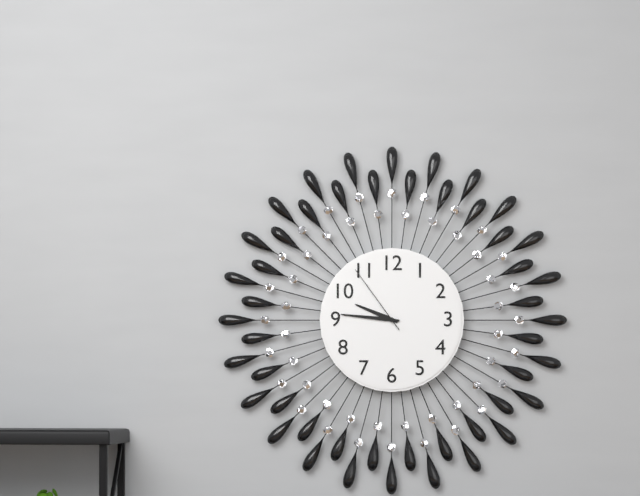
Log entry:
9 h 46 min 54 s
